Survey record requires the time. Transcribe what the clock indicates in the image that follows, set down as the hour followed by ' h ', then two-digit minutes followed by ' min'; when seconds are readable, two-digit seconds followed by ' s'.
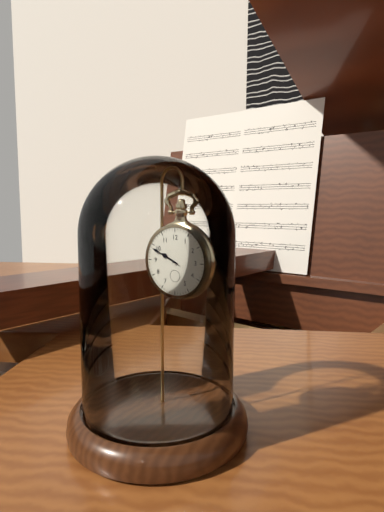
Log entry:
9 h 49 min
